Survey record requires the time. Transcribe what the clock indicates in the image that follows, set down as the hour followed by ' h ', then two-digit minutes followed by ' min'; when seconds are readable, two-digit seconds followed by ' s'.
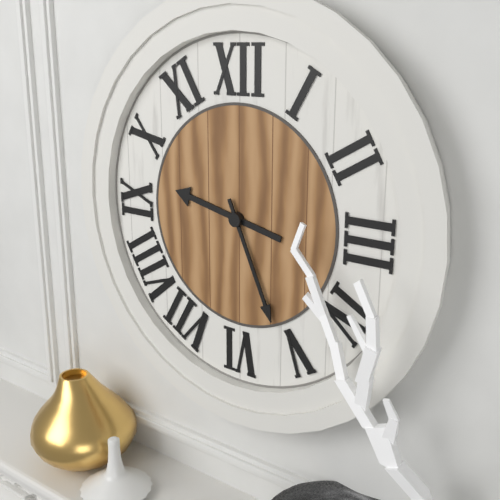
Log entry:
9 h 26 min
